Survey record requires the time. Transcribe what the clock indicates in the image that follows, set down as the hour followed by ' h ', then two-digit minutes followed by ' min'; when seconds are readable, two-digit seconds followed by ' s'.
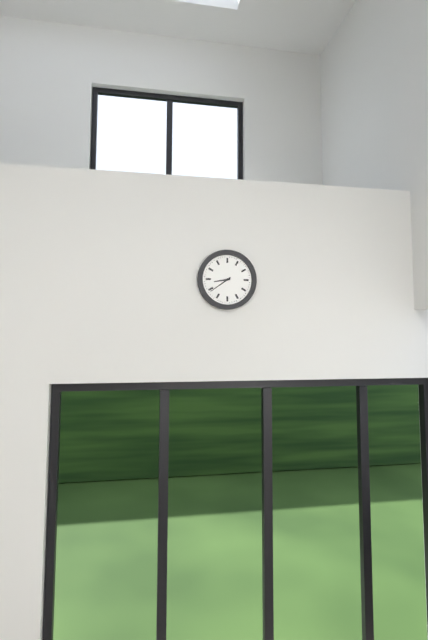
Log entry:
8 h 39 min
